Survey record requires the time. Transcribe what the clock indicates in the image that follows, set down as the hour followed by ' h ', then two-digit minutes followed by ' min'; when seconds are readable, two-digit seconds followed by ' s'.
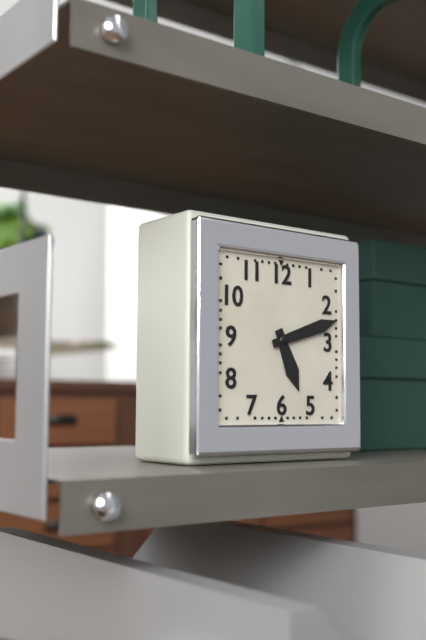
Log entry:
5 h 12 min
